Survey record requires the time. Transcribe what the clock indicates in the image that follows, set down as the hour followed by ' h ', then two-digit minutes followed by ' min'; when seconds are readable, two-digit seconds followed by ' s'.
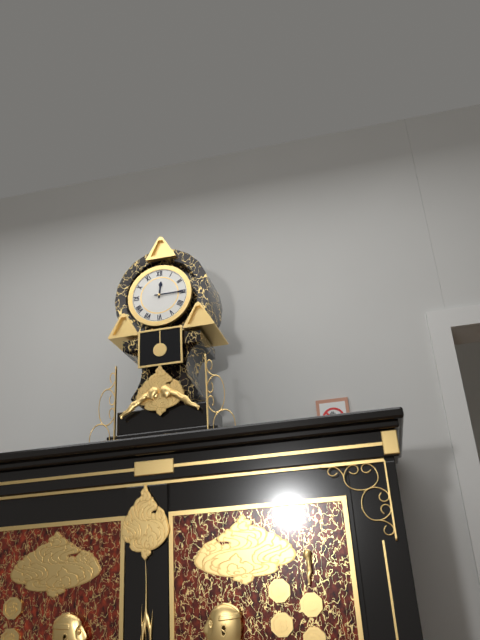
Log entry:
12 h 15 min
